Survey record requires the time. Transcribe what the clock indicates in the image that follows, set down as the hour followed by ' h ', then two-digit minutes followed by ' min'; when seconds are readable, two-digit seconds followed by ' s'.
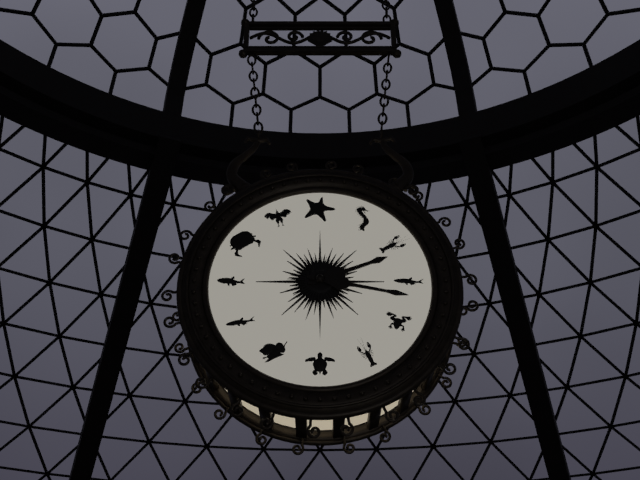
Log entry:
2 h 17 min
